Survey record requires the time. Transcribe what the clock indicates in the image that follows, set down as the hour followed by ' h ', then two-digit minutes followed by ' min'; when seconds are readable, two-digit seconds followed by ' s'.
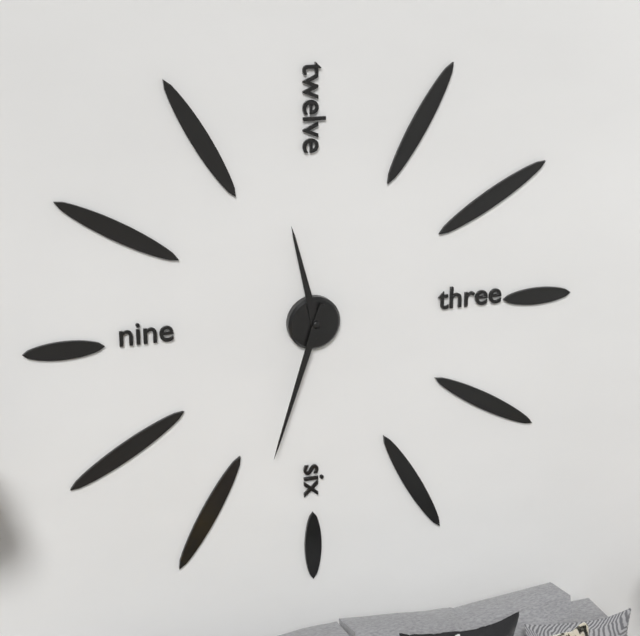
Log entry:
11 h 33 min
